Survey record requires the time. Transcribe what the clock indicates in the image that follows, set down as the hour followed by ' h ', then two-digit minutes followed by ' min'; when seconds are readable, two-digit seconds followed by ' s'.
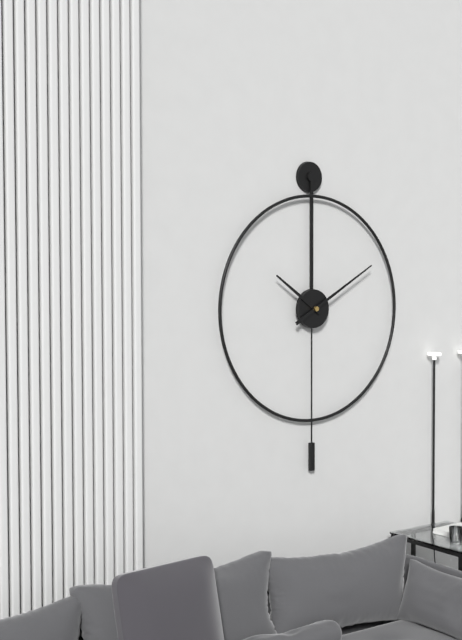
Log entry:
10 h 10 min
